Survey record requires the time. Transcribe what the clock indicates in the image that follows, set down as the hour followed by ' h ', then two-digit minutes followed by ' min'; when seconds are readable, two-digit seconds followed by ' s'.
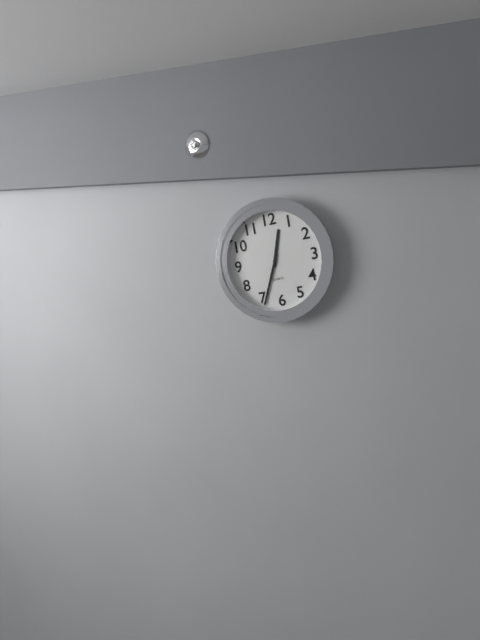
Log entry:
12 h 34 min
